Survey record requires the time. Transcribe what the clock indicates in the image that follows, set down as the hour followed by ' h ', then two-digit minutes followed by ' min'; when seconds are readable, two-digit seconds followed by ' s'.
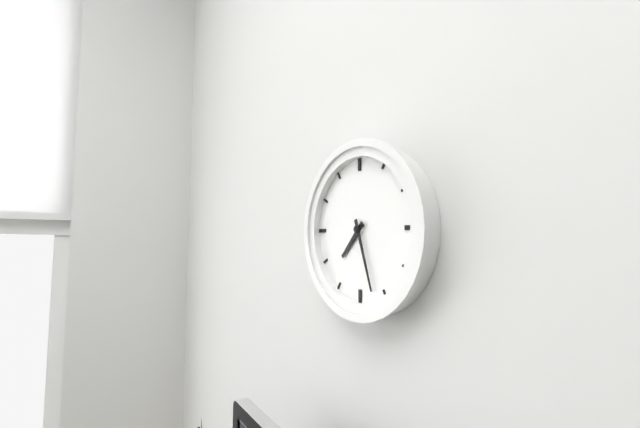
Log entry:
7 h 27 min
